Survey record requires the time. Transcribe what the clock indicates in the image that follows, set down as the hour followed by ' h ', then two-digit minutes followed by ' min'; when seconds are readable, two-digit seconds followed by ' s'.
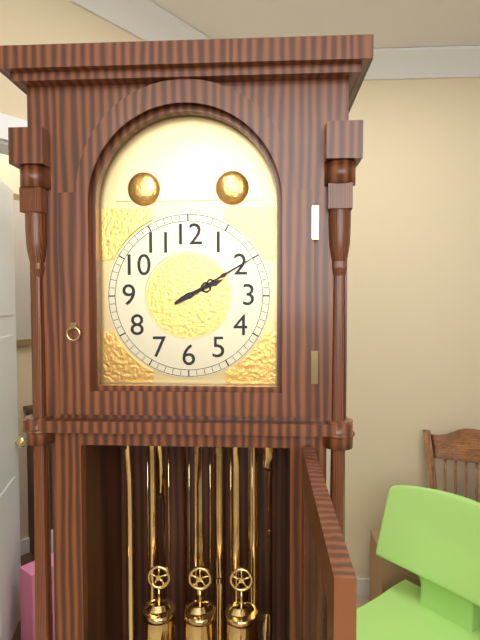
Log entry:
2 h 10 min
